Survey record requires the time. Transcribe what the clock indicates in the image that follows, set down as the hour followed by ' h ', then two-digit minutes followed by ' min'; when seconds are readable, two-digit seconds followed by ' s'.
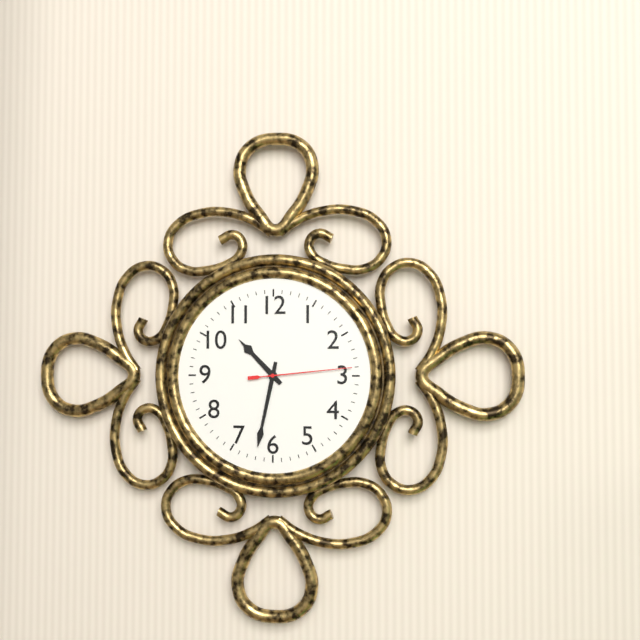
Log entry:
10 h 32 min 14 s
